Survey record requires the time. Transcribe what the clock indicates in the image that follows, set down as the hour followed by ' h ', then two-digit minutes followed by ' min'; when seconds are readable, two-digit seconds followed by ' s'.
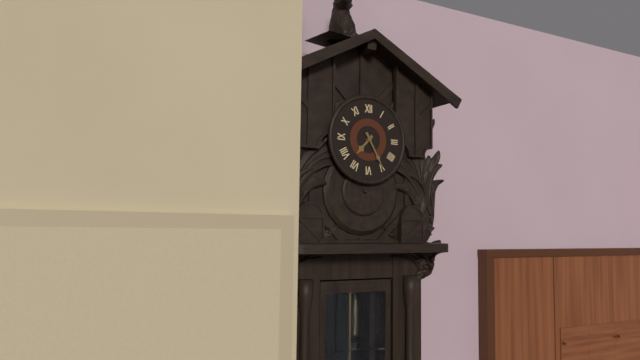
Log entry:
7 h 25 min
